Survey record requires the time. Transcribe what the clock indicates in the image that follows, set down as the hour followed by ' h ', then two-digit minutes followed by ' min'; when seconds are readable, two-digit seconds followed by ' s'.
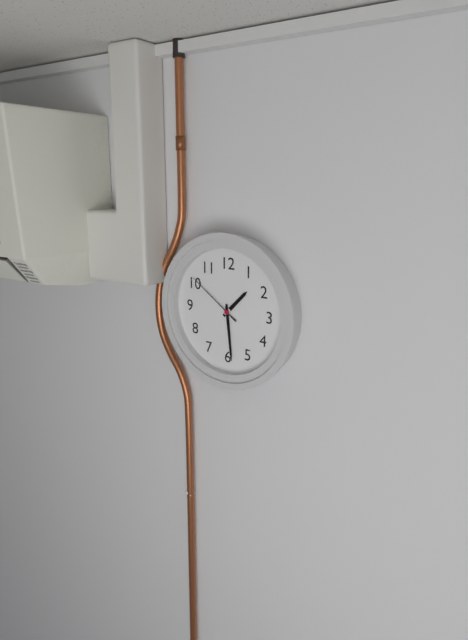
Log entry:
1 h 29 min 51 s
